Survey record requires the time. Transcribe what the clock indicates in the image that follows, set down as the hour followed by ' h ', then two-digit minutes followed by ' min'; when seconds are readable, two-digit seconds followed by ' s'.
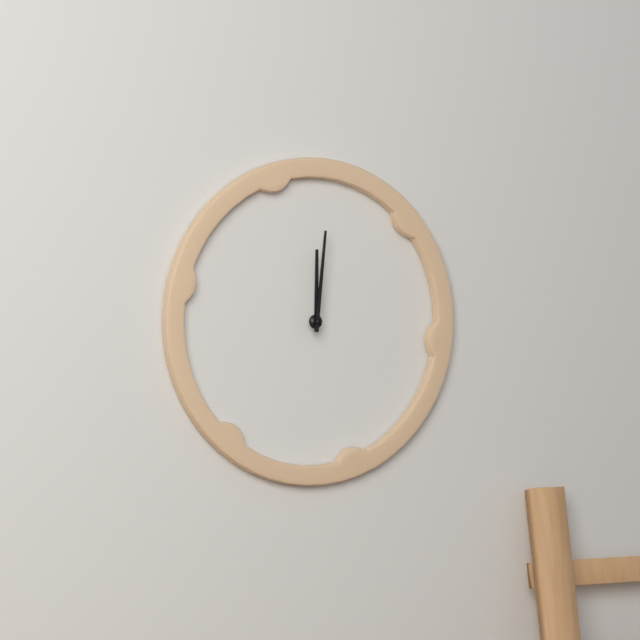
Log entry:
12 h 01 min
